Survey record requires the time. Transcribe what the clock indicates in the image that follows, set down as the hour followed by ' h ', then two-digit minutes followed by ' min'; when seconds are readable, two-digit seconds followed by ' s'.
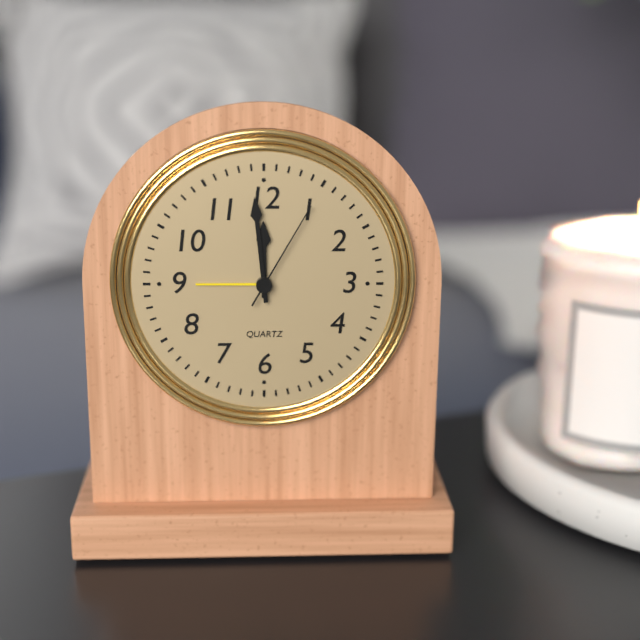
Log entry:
11 h 59 min 05 s
